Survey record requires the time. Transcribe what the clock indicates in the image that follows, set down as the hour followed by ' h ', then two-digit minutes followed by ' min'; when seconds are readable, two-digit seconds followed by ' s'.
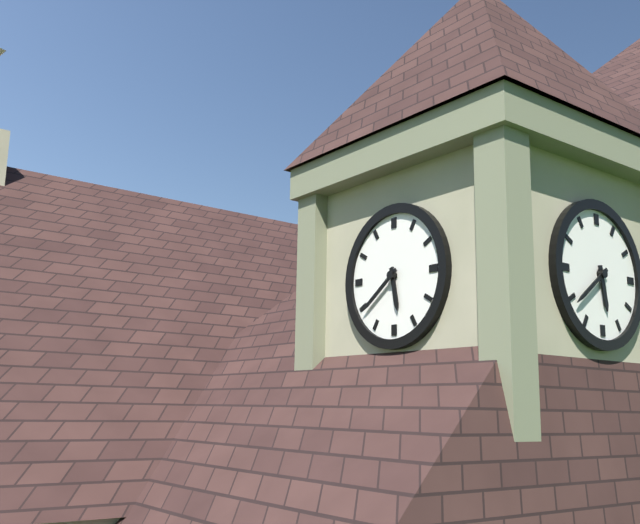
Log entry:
5 h 39 min
